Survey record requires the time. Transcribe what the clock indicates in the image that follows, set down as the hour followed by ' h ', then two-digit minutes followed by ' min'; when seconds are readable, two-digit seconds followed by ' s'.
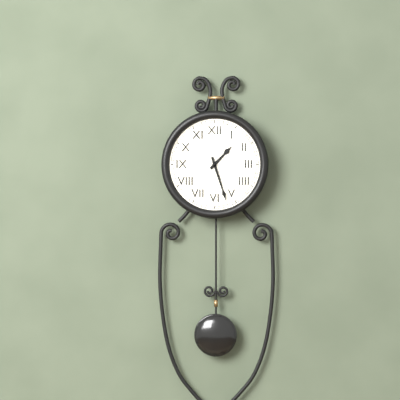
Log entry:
1 h 27 min
